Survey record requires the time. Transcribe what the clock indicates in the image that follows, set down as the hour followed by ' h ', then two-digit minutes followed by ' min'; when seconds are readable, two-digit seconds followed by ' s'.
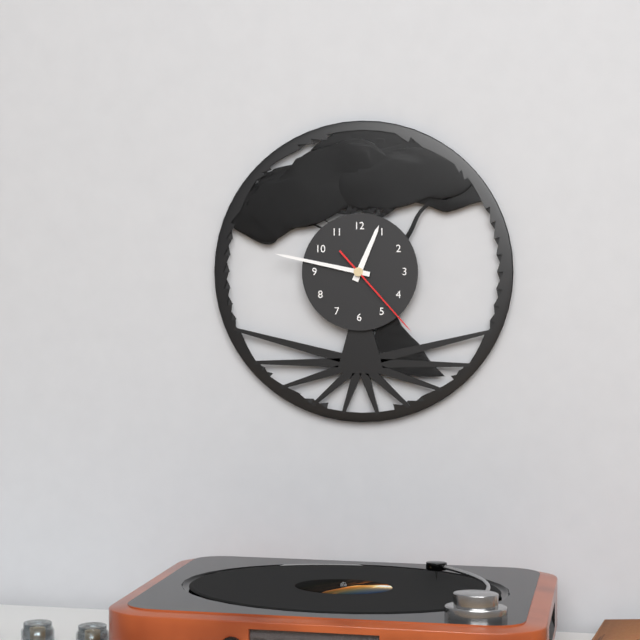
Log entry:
12 h 47 min 23 s
